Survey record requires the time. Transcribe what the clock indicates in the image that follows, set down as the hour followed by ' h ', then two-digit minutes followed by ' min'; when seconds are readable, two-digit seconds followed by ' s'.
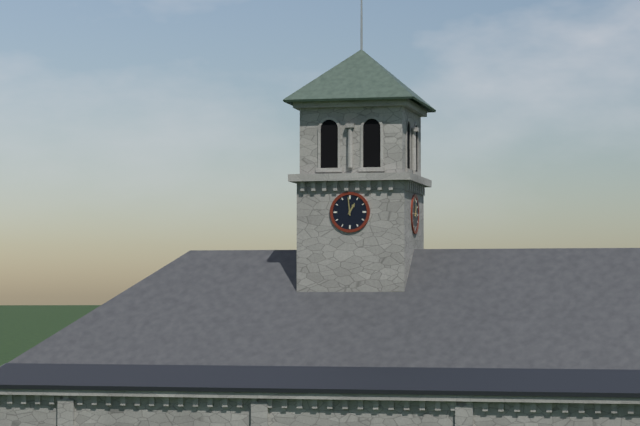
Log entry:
12 h 59 min
